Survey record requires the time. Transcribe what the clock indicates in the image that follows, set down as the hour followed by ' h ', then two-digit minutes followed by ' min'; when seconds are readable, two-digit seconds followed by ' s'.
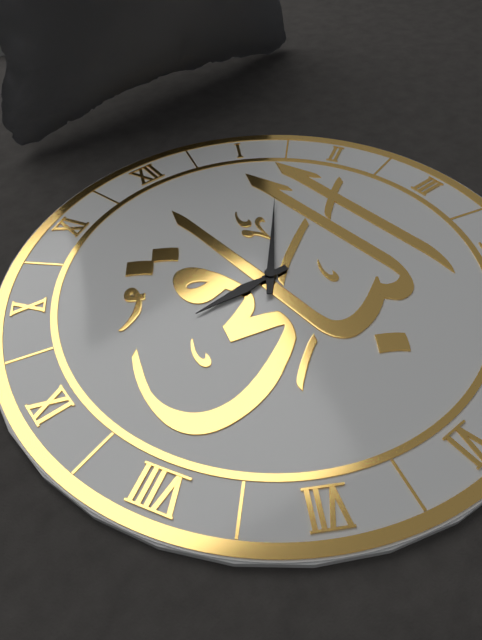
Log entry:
9 h 07 min
